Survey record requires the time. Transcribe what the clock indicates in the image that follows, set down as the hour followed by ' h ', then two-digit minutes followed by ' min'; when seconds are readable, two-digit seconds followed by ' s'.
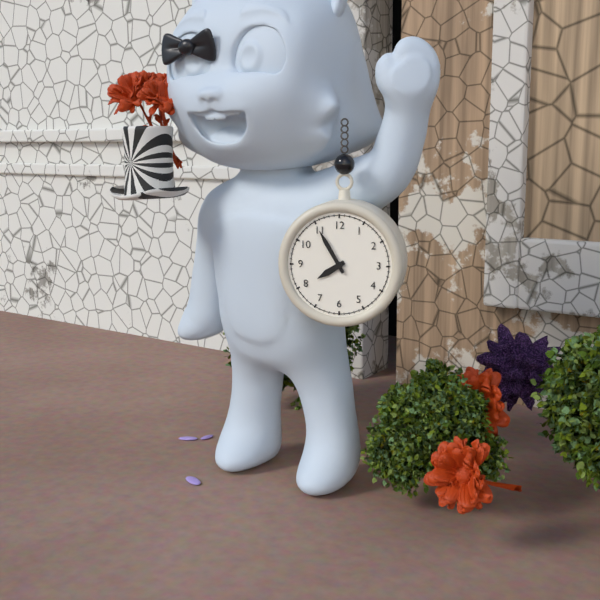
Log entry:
7 h 55 min
